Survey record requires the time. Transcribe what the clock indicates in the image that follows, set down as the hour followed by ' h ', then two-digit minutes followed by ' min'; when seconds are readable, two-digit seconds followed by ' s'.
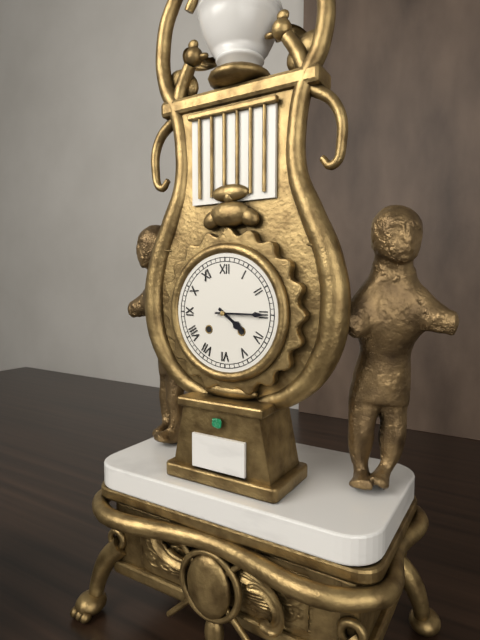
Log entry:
4 h 15 min
